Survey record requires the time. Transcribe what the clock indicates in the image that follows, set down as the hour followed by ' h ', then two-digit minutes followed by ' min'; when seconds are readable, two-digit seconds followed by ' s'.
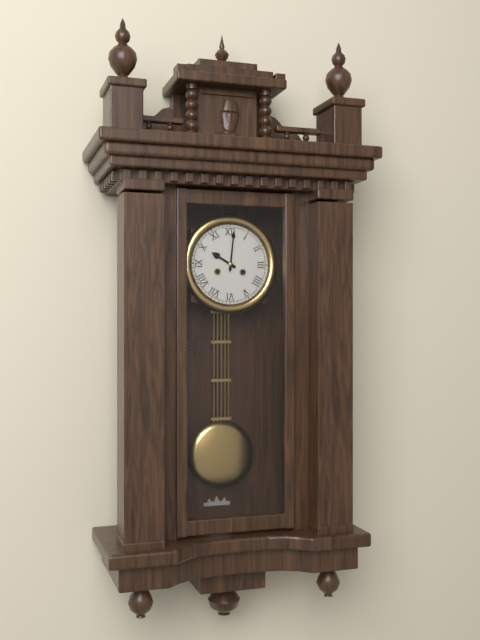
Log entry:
10 h 01 min
